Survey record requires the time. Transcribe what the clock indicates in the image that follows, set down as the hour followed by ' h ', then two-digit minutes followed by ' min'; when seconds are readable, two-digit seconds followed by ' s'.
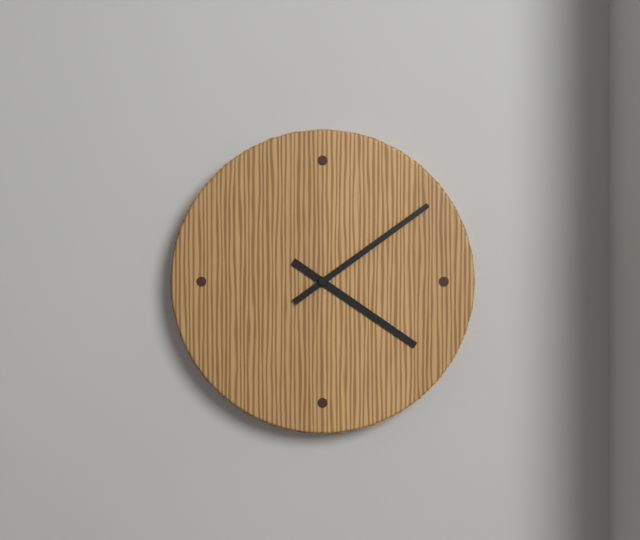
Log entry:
4 h 09 min
